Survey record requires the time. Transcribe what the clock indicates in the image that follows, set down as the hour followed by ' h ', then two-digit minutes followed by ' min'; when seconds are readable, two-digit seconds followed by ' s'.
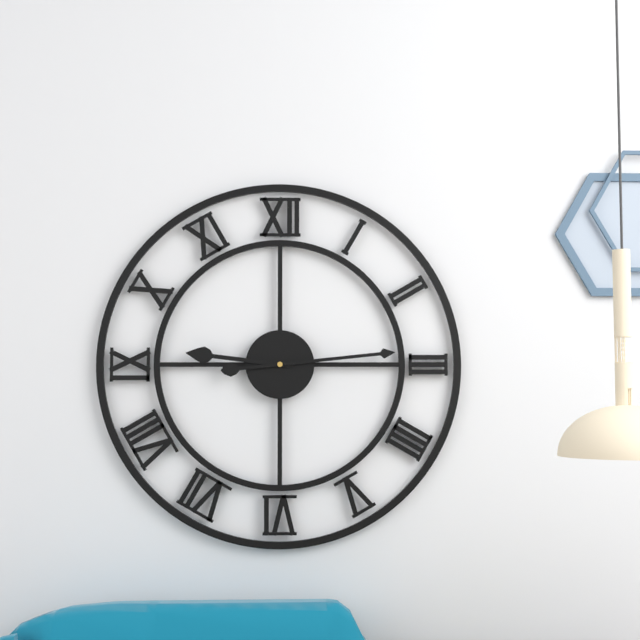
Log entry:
9 h 14 min
